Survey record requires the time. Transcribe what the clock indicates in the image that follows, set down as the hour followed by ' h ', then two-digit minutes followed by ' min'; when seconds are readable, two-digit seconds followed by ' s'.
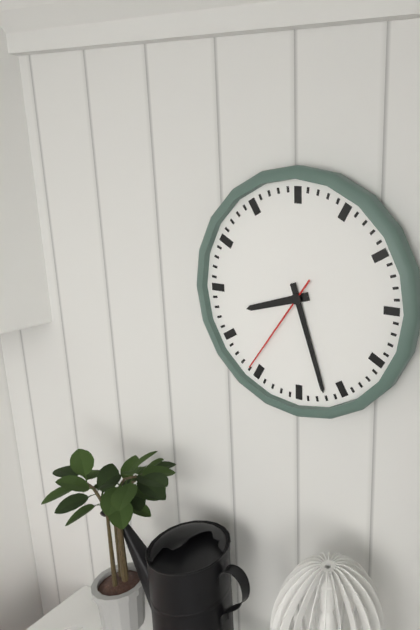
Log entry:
8 h 27 min 36 s
